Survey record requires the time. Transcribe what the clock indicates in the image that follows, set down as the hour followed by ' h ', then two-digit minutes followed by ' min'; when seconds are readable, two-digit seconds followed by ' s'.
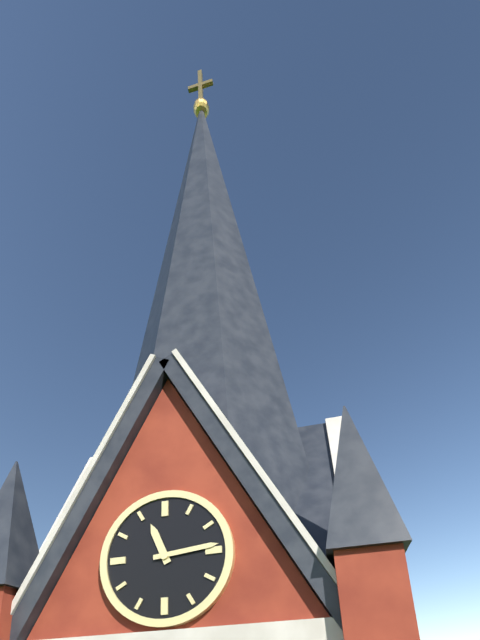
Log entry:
11 h 14 min
